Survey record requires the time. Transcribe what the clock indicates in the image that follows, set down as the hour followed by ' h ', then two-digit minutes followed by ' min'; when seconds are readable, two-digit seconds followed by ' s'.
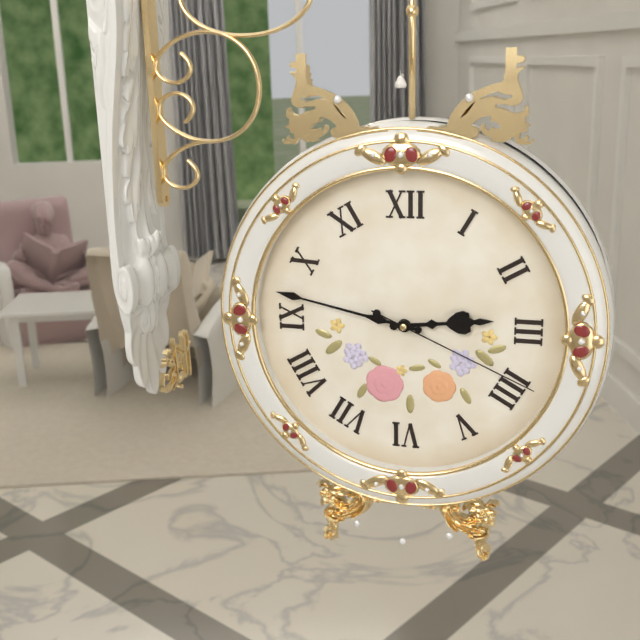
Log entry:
2 h 47 min 19 s
